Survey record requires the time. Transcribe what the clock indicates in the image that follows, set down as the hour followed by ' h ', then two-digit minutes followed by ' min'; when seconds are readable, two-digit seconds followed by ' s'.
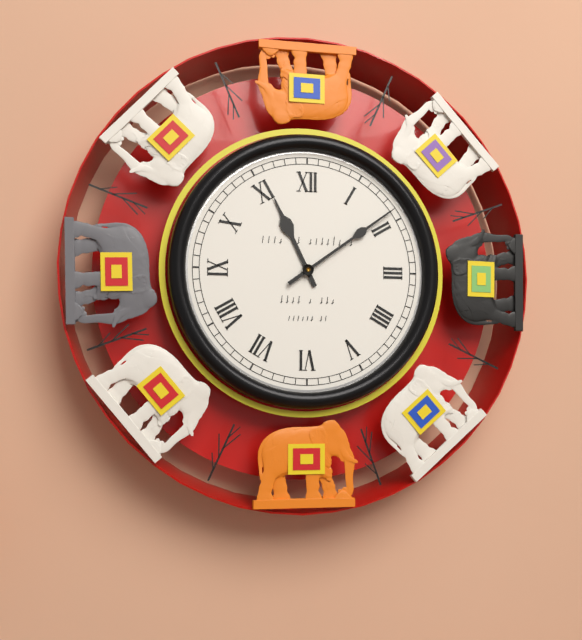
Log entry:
11 h 09 min
